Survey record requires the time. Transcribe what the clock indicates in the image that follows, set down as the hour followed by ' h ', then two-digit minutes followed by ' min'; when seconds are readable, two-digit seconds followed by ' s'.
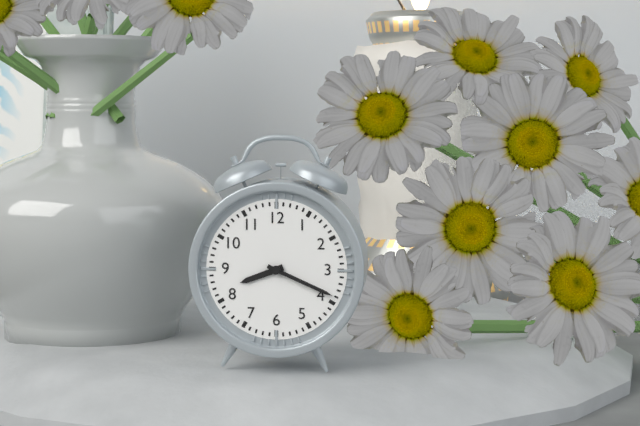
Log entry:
8 h 19 min
